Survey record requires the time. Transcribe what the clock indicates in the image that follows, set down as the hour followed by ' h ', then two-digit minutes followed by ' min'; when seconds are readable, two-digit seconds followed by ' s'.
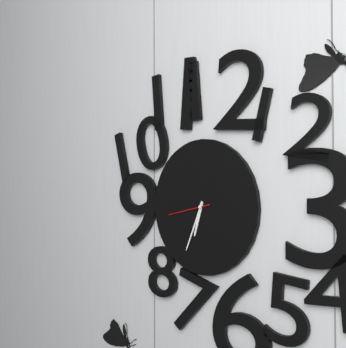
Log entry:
6 h 34 min
